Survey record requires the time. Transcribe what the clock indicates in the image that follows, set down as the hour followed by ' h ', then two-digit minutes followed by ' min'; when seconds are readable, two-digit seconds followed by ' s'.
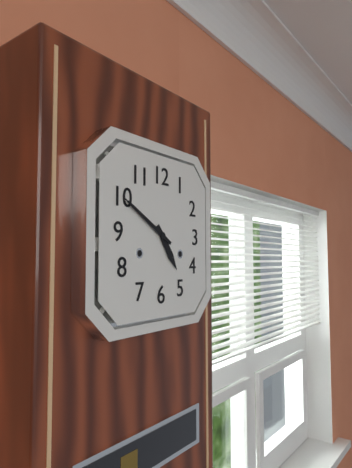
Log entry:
4 h 50 min
